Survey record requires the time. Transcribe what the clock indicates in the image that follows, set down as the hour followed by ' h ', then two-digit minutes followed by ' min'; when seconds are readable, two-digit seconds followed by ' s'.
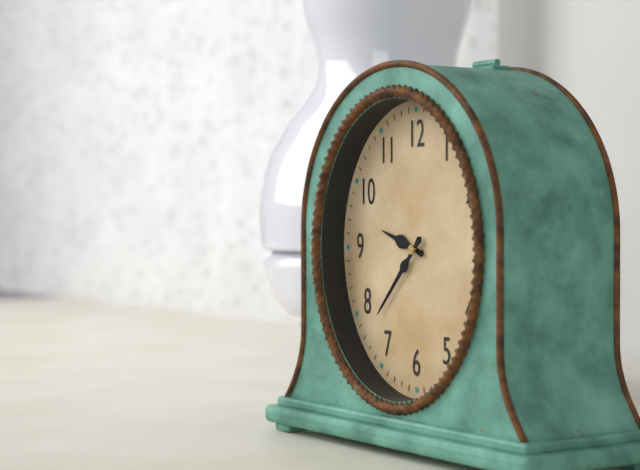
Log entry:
9 h 37 min
